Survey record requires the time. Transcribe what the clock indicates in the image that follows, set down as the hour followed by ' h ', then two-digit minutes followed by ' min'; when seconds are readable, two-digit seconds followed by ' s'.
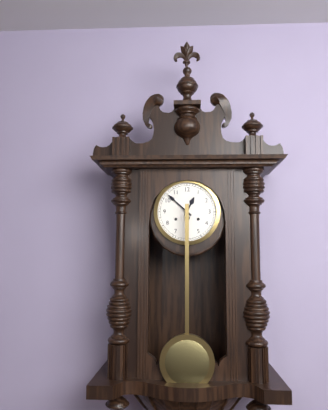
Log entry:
12 h 52 min
